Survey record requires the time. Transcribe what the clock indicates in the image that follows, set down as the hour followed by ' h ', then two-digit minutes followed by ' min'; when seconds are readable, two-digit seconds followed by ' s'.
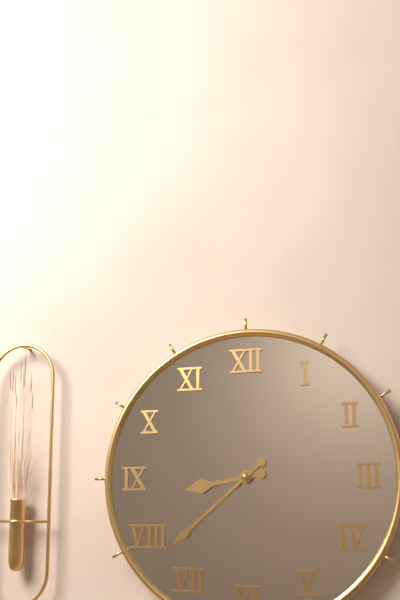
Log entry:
8 h 38 min
